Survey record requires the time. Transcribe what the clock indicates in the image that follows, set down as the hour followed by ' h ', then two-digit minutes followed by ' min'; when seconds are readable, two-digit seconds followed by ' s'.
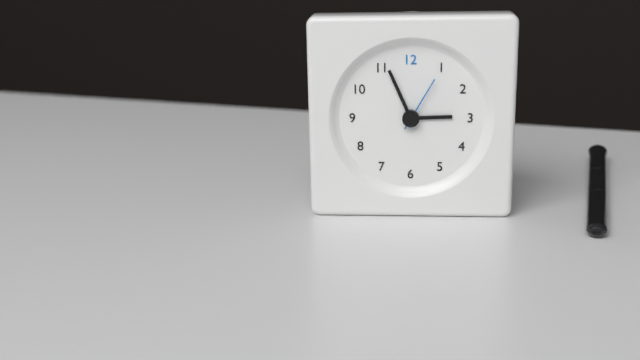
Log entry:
2 h 56 min 05 s
